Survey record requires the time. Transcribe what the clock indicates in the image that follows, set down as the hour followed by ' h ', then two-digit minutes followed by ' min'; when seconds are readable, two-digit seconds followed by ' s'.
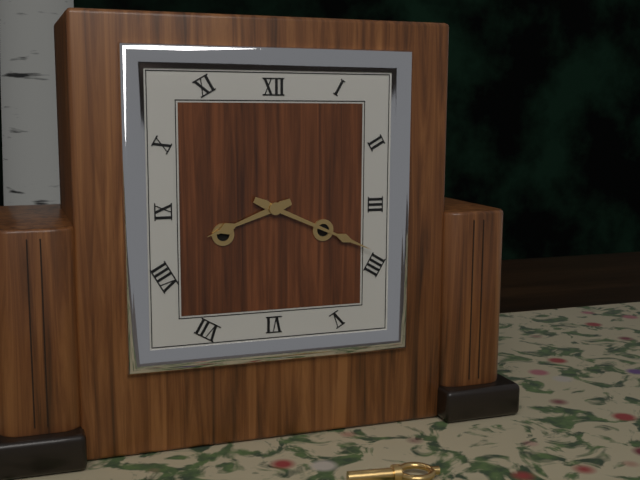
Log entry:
8 h 19 min
